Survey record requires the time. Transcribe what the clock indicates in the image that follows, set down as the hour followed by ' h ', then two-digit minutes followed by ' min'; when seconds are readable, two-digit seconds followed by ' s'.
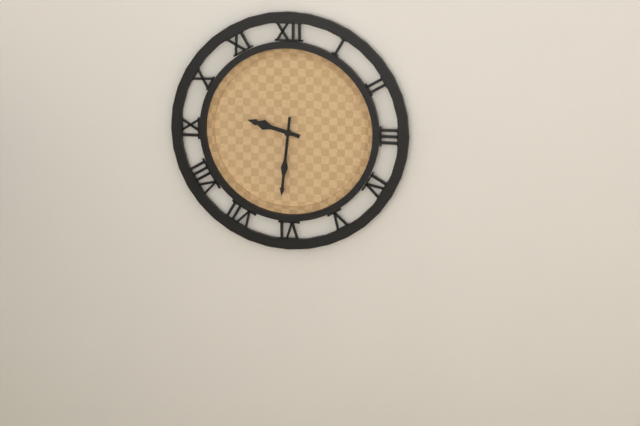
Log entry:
9 h 31 min
